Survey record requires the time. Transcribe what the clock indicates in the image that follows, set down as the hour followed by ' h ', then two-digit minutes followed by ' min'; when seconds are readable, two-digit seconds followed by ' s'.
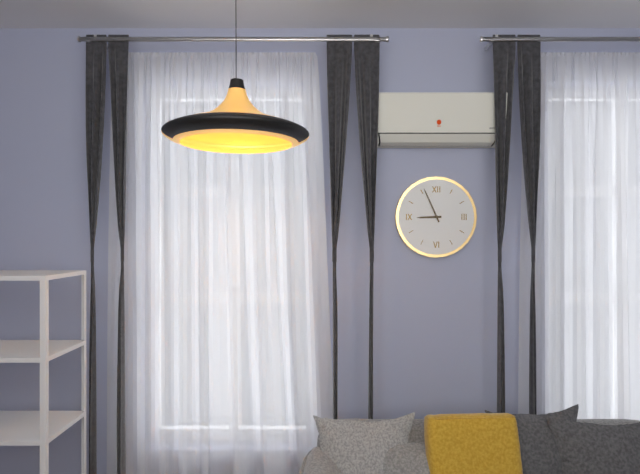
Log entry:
8 h 56 min
